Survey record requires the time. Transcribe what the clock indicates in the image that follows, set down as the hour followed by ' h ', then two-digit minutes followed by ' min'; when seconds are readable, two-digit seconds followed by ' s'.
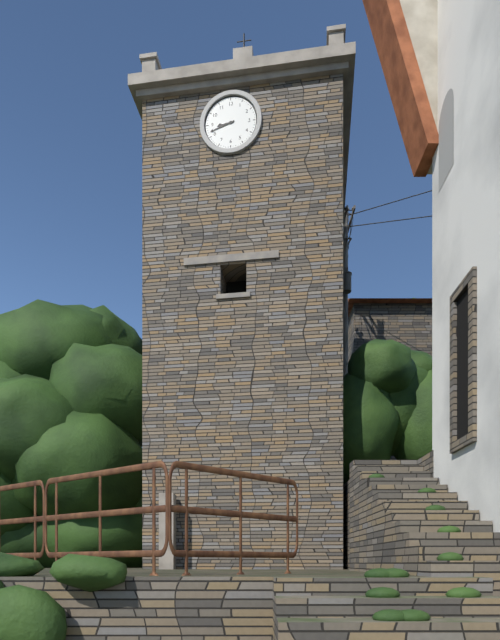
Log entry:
8 h 42 min
